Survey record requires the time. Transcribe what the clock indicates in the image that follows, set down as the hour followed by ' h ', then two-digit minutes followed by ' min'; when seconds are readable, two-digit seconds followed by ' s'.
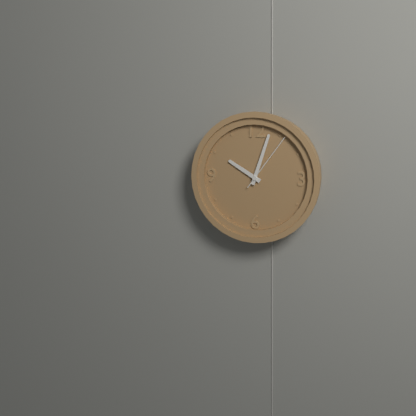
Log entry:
10 h 03 min 06 s
